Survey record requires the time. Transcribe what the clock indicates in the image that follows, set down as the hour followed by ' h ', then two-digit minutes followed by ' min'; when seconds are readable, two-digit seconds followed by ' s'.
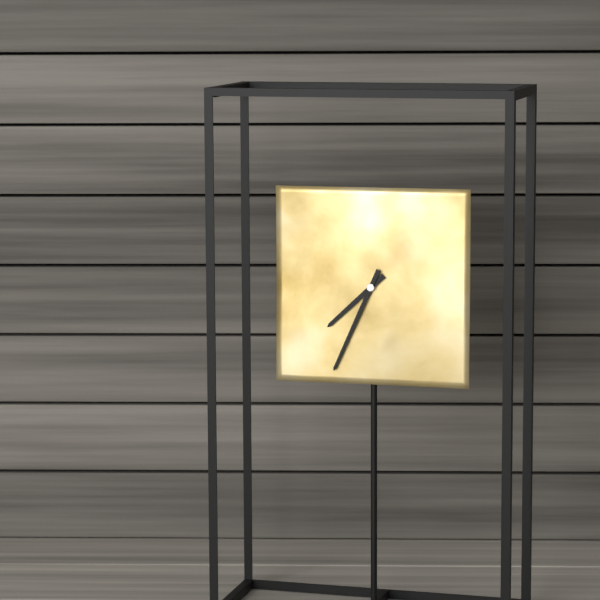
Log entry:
7 h 34 min
